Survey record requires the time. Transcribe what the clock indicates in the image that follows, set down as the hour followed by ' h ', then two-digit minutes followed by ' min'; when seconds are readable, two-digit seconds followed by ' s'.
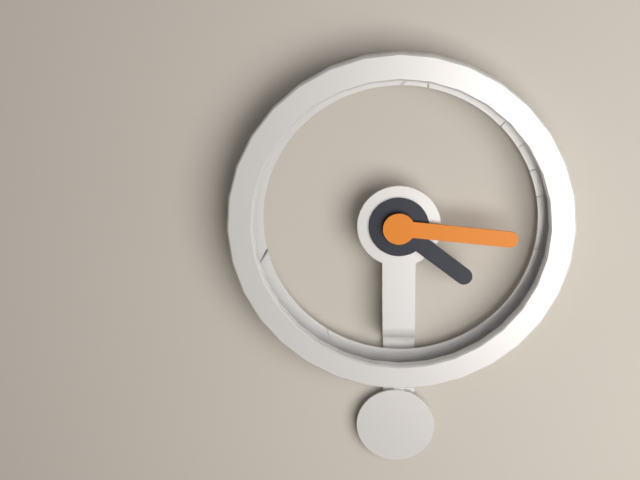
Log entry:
4 h 16 min
